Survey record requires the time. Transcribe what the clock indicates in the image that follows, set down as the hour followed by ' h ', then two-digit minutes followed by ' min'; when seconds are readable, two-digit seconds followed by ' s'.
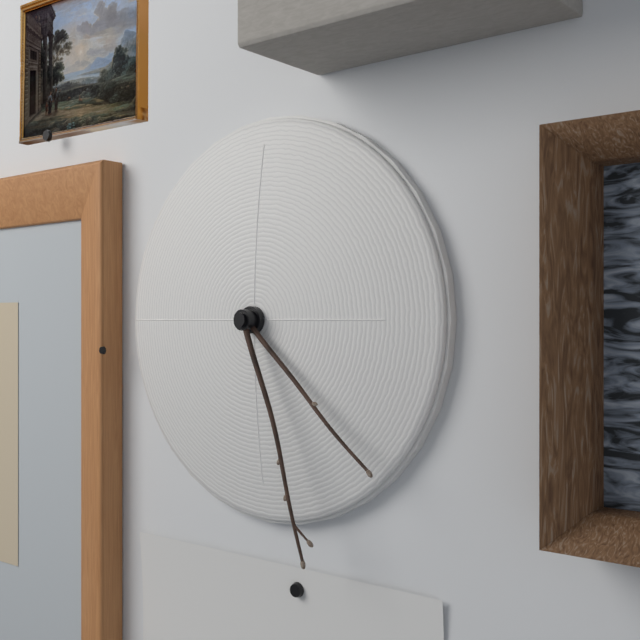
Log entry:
4 h 27 min
